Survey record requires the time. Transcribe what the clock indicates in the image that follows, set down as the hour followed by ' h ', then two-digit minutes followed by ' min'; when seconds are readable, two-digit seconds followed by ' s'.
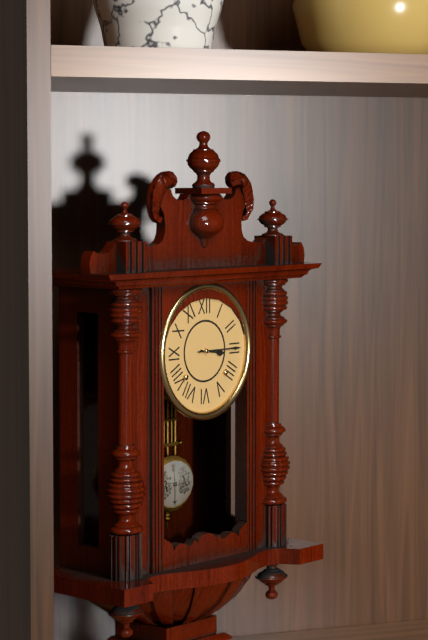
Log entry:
3 h 15 min
